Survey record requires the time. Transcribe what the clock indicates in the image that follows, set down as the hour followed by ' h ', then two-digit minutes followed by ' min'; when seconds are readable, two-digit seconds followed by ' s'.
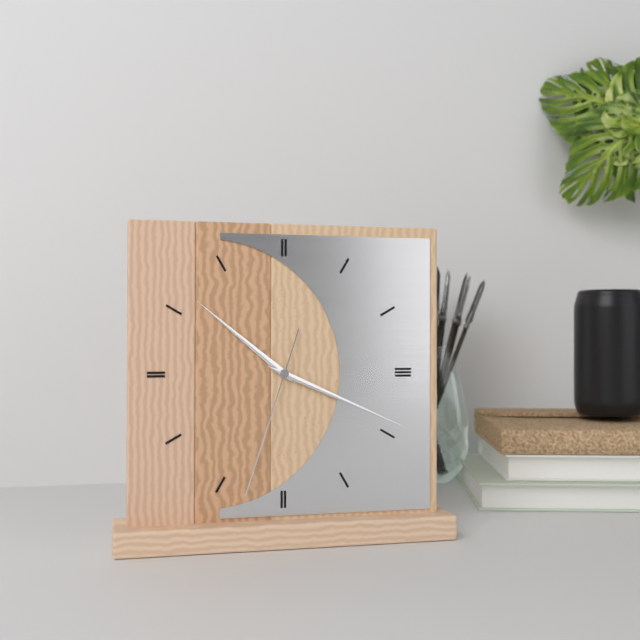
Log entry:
10 h 19 min 33 s
